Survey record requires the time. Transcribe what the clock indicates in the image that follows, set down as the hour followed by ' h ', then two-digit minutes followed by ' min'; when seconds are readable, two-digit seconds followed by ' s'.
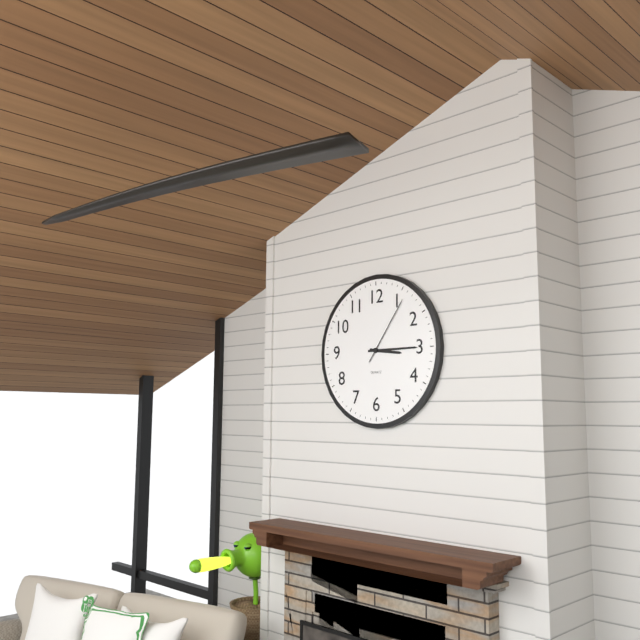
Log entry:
3 h 15 min 06 s
